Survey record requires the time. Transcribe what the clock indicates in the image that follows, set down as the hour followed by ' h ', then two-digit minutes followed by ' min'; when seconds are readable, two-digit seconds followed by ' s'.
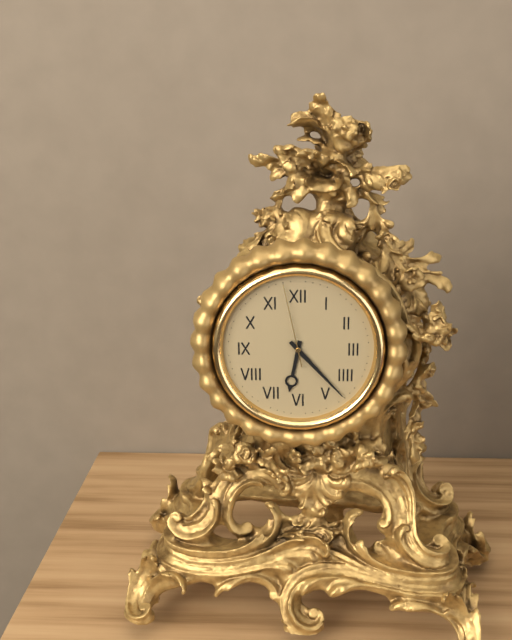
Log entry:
6 h 23 min 58 s
